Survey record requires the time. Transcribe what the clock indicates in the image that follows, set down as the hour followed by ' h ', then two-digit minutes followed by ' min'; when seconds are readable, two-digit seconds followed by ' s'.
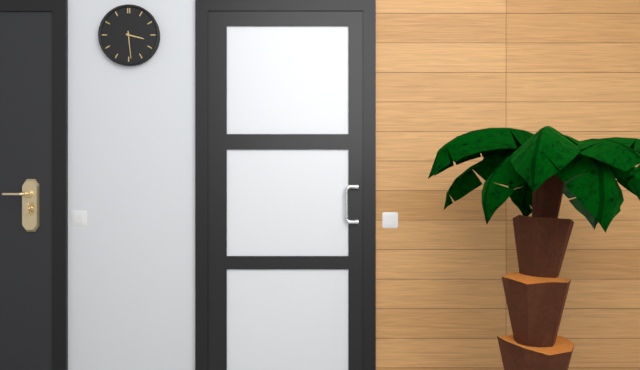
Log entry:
3 h 29 min
